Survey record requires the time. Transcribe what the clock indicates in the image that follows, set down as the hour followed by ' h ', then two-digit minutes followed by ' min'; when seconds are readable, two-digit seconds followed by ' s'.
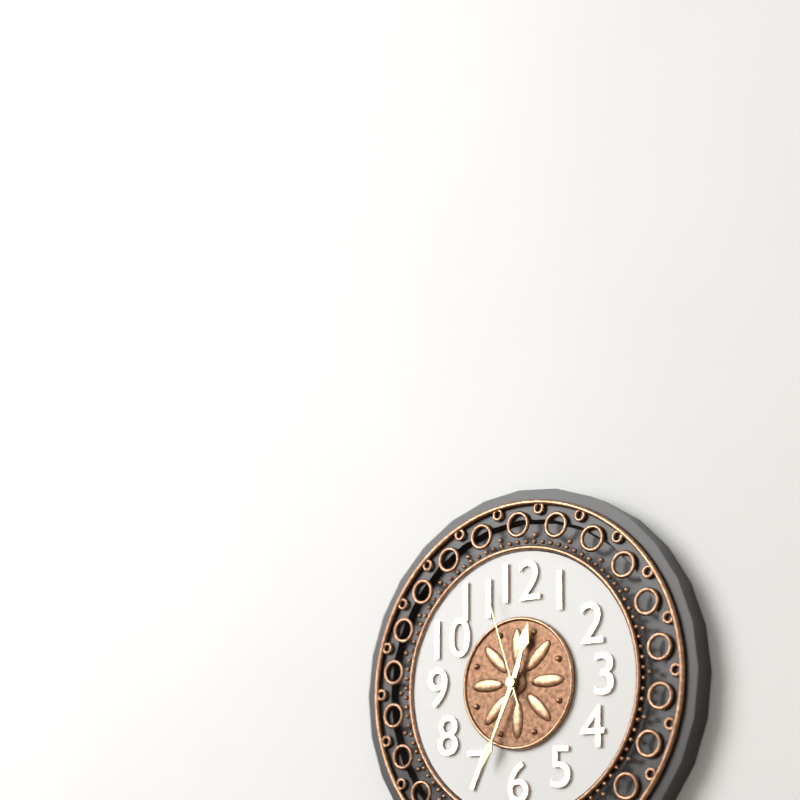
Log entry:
12 h 34 min 57 s
